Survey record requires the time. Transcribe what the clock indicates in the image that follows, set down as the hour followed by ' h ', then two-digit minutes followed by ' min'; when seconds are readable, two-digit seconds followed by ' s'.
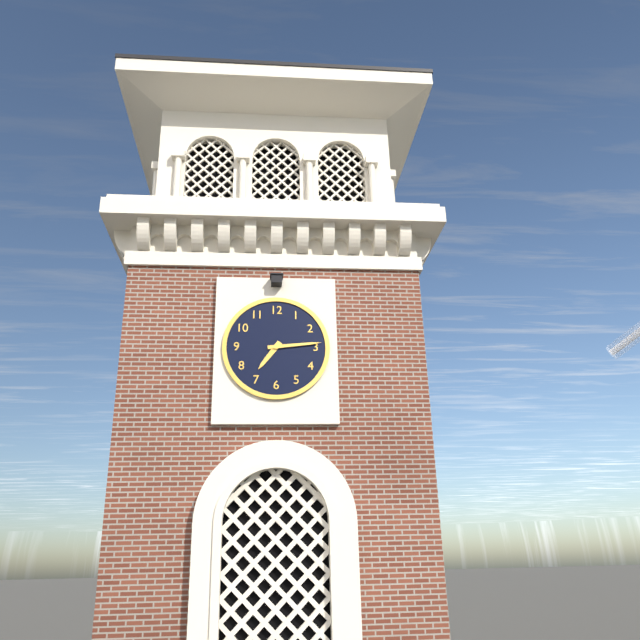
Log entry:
7 h 14 min
